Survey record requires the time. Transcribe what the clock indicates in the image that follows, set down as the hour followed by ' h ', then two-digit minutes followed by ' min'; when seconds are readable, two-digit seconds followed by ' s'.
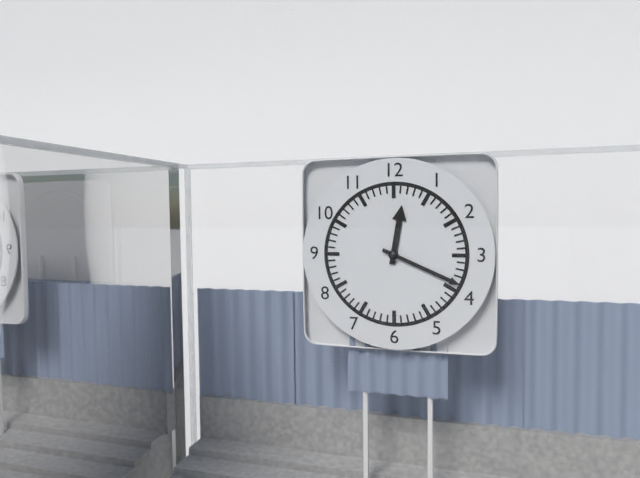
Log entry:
12 h 19 min
